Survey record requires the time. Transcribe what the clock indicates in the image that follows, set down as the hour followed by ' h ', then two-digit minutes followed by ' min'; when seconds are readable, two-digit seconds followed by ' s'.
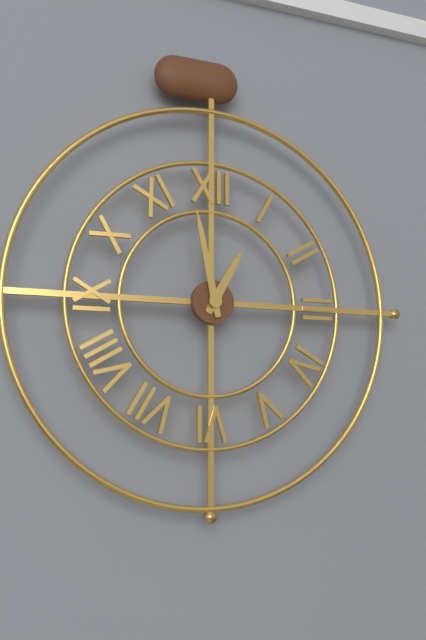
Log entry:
12 h 58 min
